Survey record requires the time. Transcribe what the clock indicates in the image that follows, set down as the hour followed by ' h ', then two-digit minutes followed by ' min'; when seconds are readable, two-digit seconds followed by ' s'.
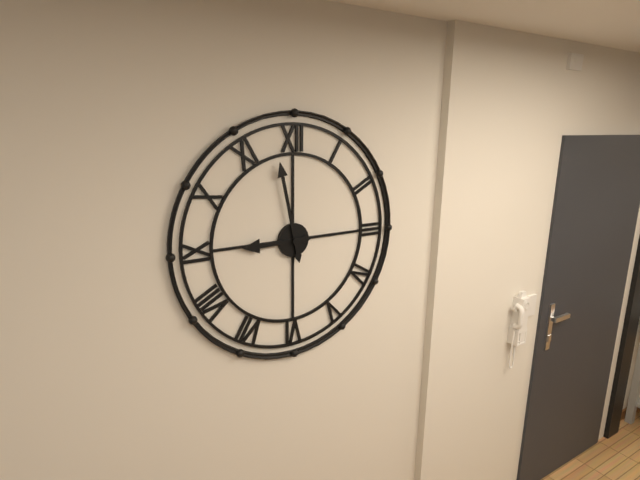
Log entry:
8 h 58 min
